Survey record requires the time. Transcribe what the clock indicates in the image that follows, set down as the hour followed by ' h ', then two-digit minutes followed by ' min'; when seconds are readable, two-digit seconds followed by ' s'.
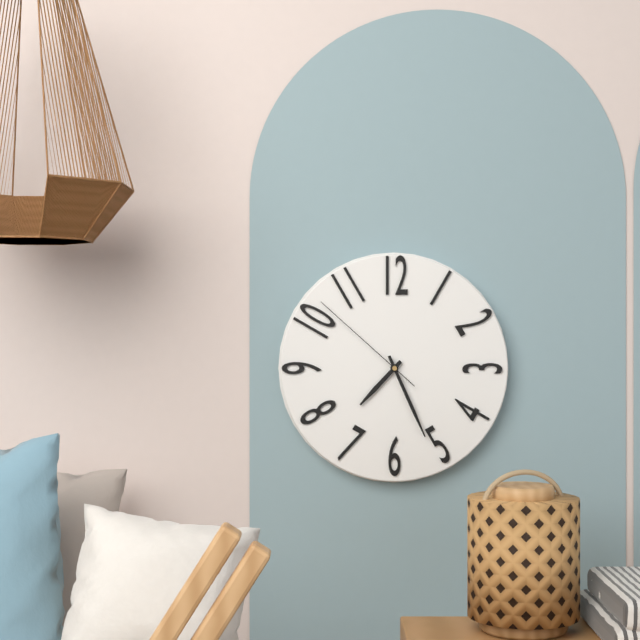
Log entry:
7 h 26 min 52 s
